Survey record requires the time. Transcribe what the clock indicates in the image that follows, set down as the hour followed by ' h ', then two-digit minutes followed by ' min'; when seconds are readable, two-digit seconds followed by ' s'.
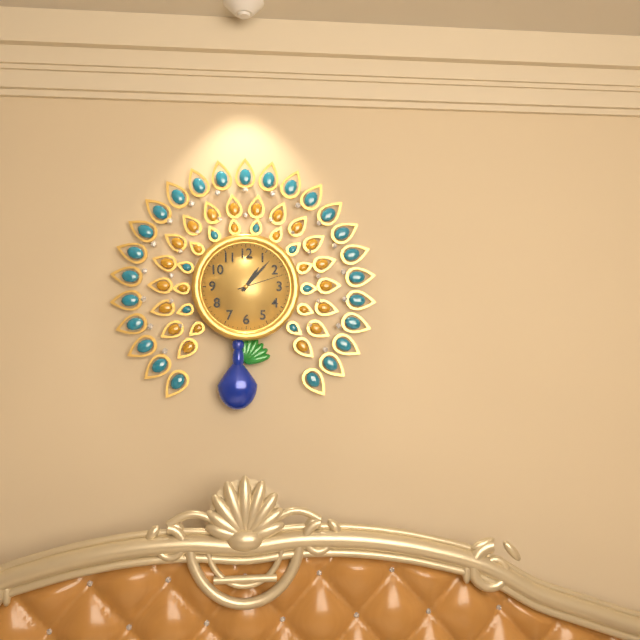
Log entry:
1 h 07 min
